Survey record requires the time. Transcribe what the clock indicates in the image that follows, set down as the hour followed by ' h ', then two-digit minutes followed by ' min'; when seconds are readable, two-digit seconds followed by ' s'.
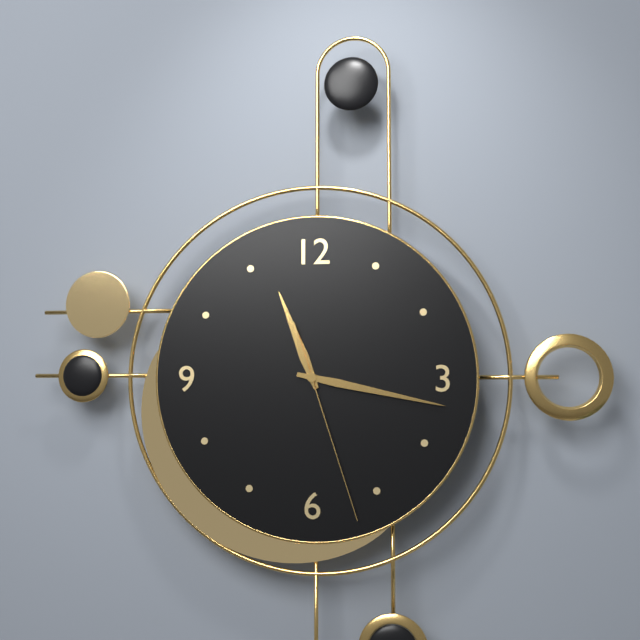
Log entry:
11 h 17 min 27 s
